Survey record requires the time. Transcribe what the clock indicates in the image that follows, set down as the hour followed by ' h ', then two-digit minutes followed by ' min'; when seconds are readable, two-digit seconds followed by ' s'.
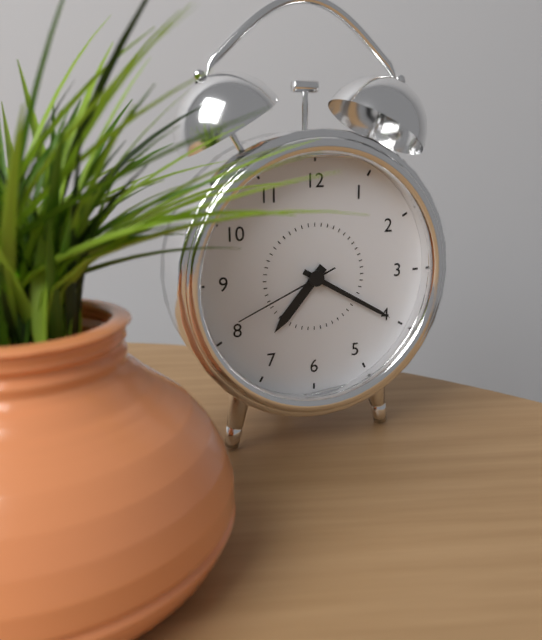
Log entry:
7 h 20 min 41 s
